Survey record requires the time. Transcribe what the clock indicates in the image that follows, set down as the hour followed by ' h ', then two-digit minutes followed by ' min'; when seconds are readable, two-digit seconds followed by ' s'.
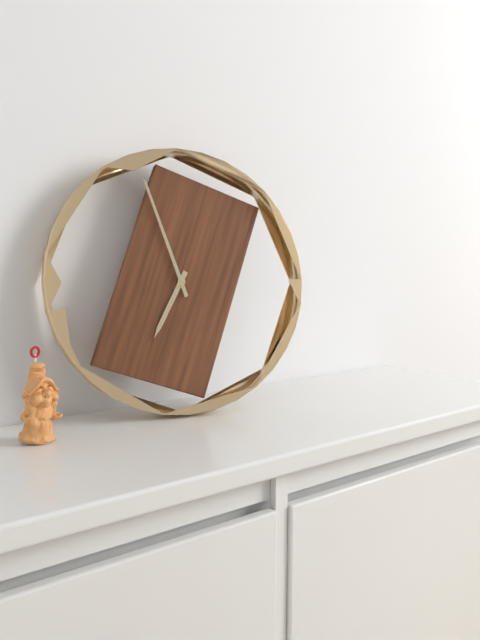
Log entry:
6 h 57 min
